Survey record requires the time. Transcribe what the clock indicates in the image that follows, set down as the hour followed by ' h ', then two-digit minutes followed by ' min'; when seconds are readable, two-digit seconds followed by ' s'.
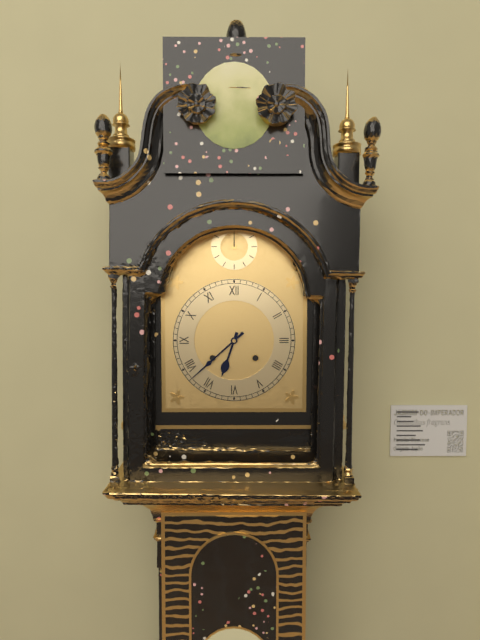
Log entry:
6 h 38 min
